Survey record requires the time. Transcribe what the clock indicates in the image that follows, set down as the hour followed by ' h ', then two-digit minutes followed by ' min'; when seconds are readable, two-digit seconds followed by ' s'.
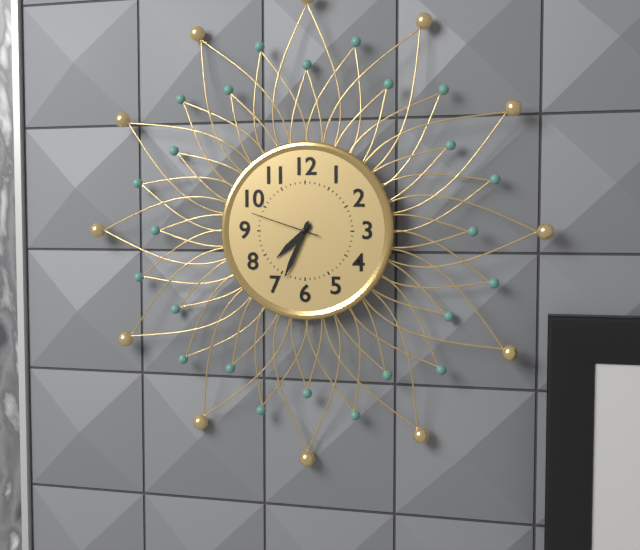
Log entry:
7 h 34 min 48 s
